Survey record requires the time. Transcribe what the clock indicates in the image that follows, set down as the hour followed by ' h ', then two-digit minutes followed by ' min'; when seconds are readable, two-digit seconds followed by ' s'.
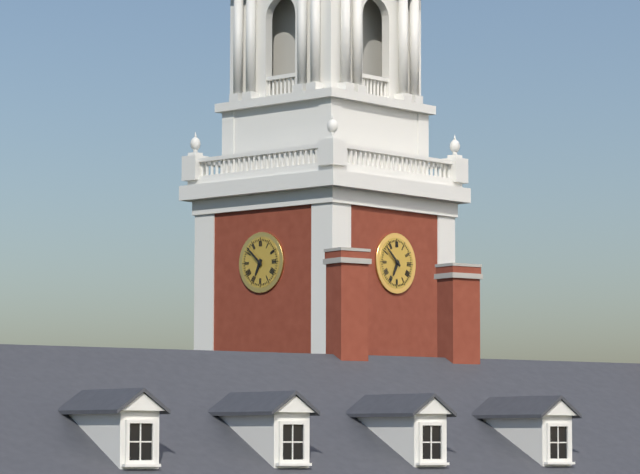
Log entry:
6 h 52 min
